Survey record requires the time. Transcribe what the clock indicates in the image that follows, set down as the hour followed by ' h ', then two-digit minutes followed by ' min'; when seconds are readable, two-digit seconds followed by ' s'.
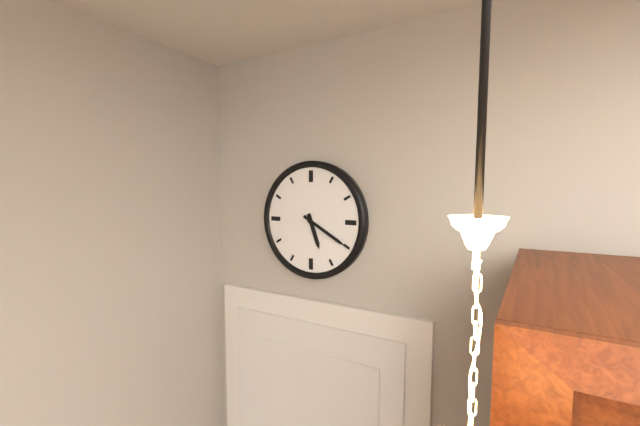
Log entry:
5 h 20 min
